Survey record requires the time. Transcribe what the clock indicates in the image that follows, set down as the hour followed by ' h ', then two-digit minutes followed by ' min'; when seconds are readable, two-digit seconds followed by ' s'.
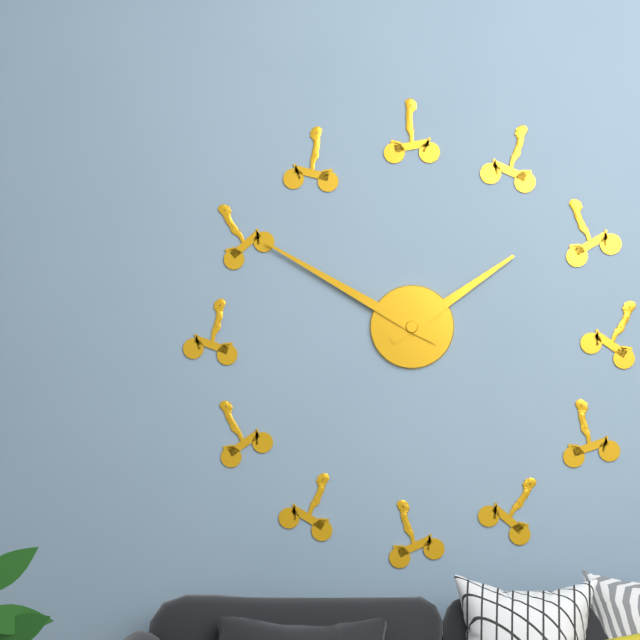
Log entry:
1 h 50 min
